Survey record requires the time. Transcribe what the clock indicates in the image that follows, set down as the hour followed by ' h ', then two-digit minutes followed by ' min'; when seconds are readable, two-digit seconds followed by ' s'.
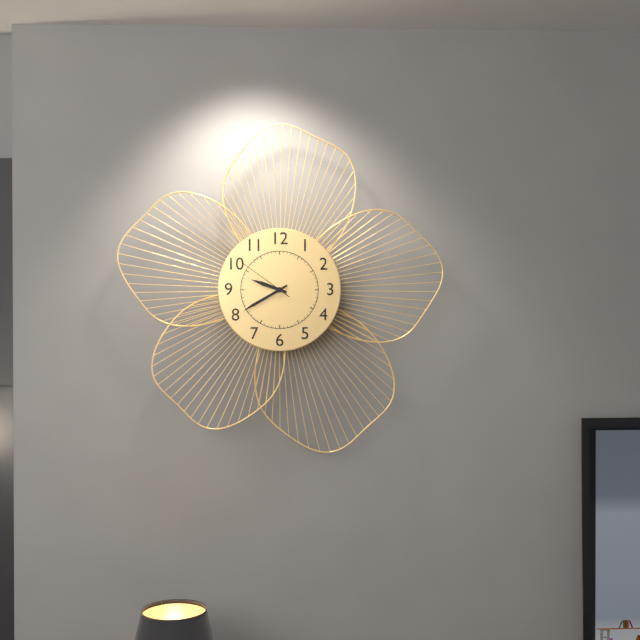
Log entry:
9 h 40 min 51 s
